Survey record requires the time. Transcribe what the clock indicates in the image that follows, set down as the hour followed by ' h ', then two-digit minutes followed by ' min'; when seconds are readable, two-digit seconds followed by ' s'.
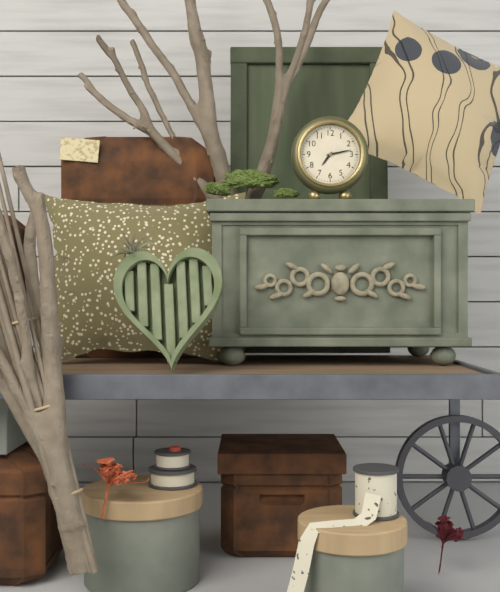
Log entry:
7 h 13 min
